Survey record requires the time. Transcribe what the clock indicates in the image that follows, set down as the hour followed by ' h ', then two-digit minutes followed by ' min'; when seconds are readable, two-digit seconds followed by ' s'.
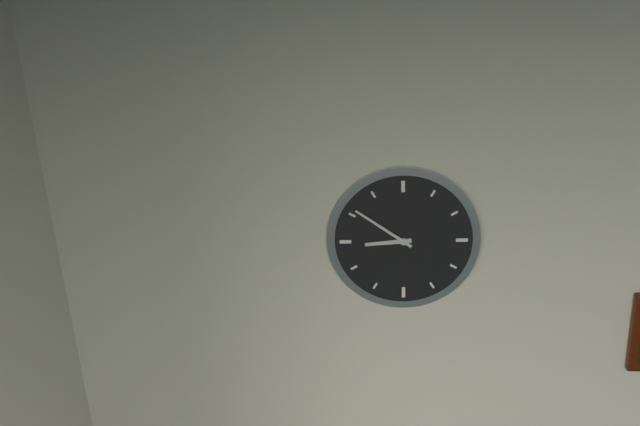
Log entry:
8 h 51 min
